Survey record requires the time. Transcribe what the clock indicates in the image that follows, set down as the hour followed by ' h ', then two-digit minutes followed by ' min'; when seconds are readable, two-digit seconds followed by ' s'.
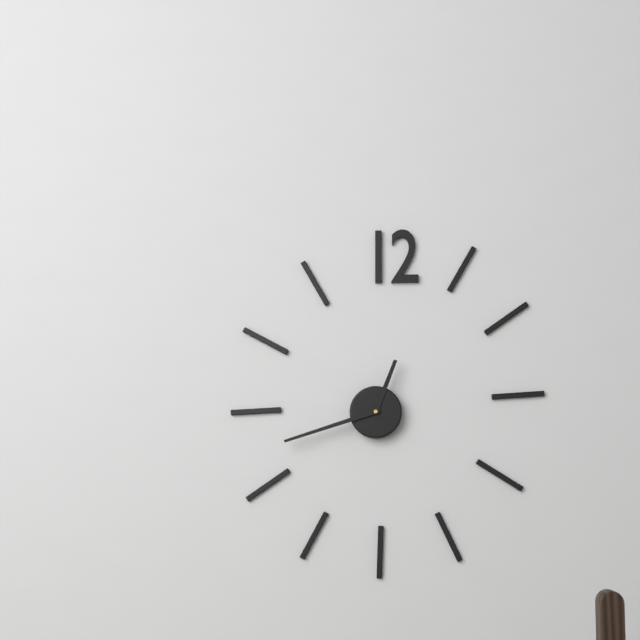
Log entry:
12 h 42 min
